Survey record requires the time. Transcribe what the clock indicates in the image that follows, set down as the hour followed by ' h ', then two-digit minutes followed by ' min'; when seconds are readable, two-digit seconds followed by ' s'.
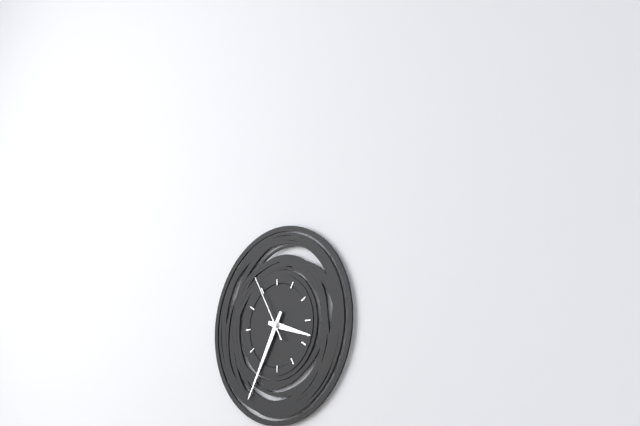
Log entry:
3 h 35 min 55 s
